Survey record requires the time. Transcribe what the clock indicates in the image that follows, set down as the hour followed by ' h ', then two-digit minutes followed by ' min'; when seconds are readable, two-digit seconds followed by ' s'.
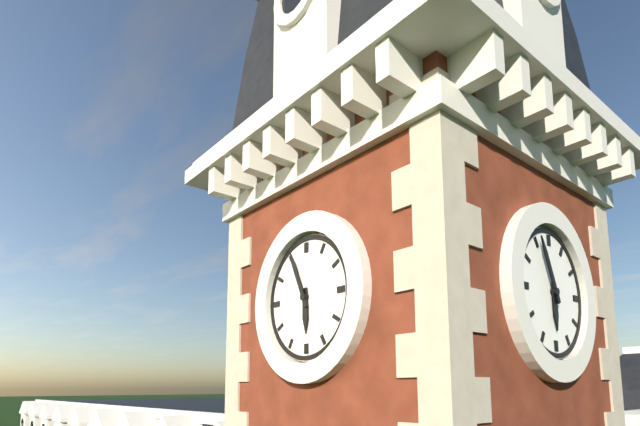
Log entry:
5 h 56 min
